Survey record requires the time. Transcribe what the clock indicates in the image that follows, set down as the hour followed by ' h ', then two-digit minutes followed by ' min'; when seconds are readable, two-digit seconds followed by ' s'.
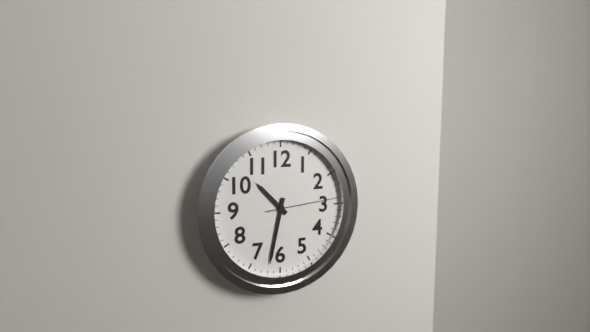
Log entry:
10 h 32 min 14 s
